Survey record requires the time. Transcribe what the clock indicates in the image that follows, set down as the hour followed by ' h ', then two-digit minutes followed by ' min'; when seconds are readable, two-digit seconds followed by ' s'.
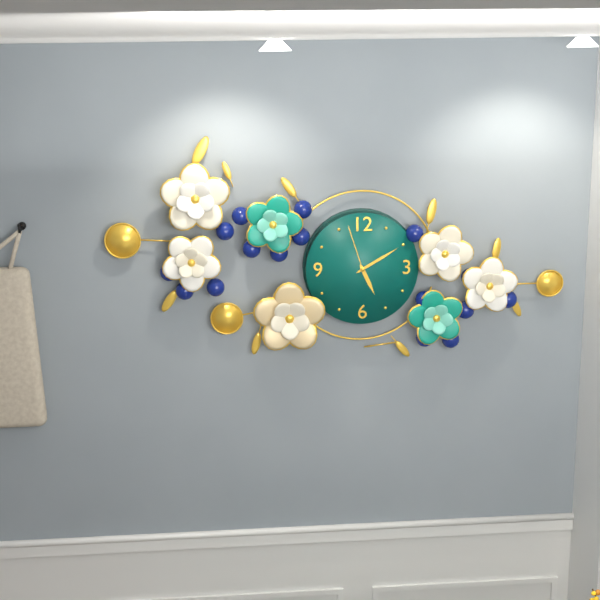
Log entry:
5 h 10 min 57 s
